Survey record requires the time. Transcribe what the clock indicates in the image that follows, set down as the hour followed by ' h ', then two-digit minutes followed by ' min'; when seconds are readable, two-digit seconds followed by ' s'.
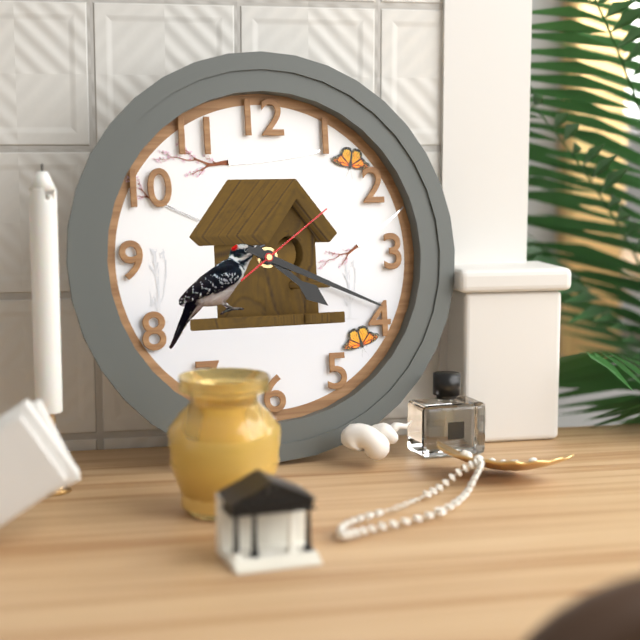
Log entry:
4 h 19 min 09 s
